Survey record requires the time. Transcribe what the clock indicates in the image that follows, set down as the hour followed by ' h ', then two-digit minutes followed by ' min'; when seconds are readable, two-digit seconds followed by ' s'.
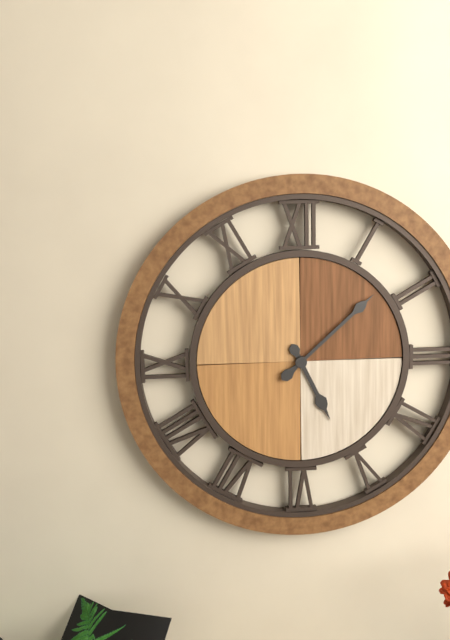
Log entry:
5 h 08 min
